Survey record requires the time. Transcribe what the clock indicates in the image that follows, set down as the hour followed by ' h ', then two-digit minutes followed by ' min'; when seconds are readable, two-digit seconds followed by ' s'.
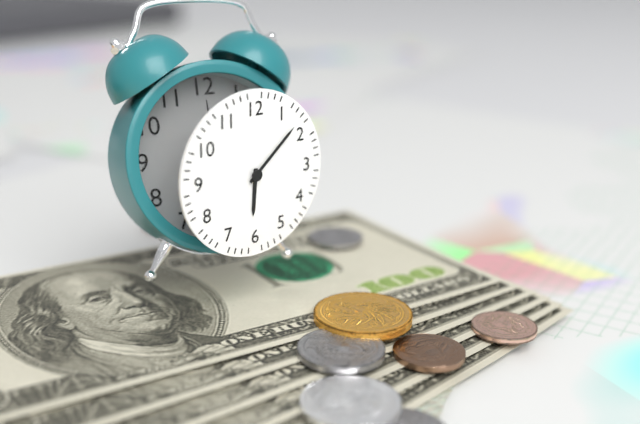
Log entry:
6 h 08 min
